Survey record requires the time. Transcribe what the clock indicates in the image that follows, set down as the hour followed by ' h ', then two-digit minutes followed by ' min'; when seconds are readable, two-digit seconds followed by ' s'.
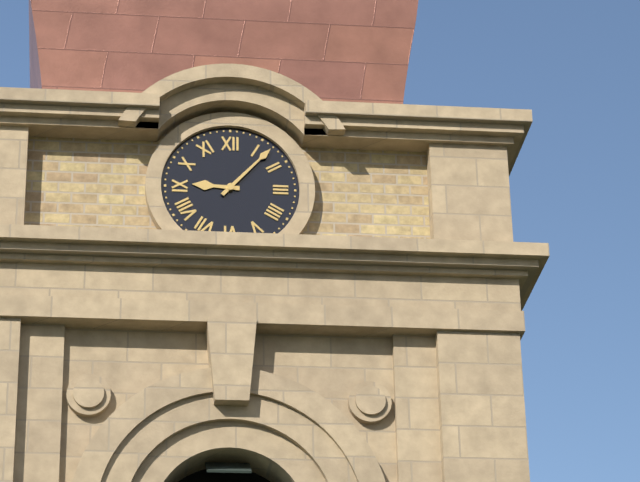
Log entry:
9 h 07 min
